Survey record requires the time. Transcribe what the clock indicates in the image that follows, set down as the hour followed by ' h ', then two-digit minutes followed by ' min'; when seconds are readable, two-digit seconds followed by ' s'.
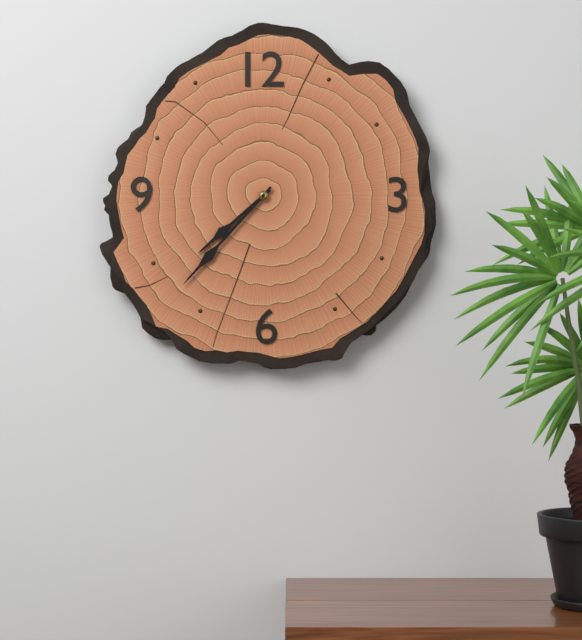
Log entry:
7 h 37 min
